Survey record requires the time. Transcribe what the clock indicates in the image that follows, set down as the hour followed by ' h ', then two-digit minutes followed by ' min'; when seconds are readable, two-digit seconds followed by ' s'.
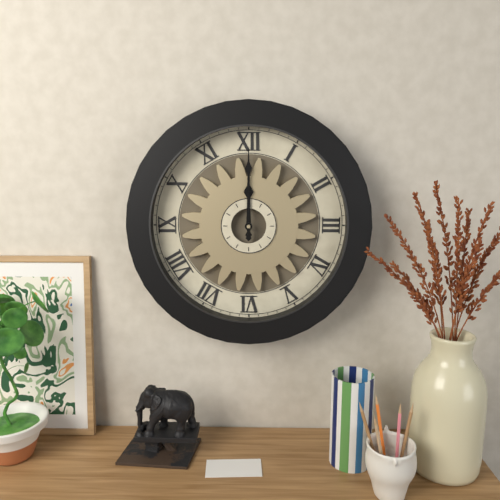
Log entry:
12 h 00 min
